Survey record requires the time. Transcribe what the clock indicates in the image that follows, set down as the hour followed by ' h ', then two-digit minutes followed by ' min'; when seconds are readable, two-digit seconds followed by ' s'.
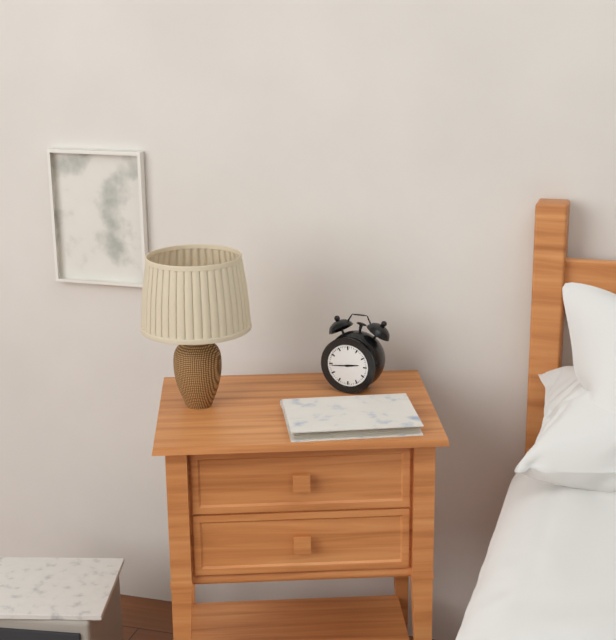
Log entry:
2 h 44 min
